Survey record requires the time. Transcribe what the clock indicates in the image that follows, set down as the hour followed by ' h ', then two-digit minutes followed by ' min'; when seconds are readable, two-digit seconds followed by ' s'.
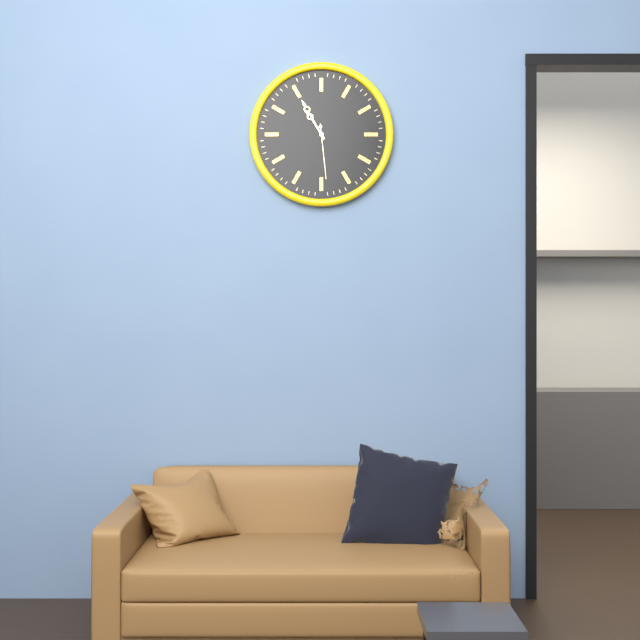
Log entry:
10 h 55 min 29 s
